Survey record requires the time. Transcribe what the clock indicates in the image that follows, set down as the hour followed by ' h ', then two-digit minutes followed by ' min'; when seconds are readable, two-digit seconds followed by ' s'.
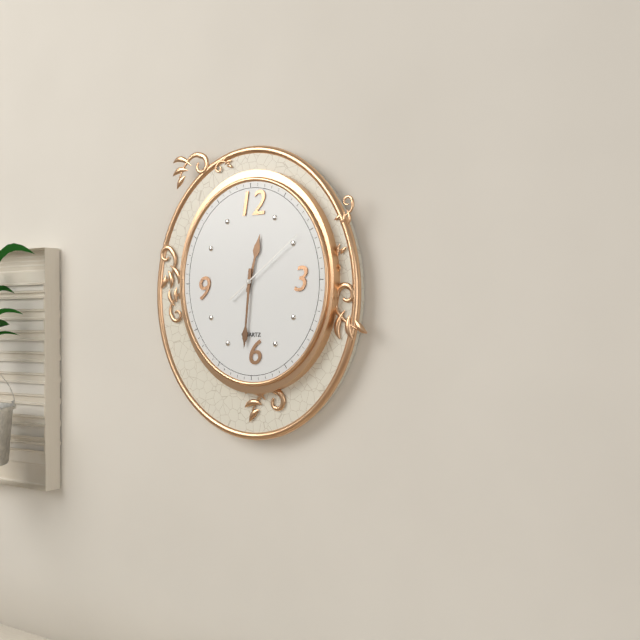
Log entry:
12 h 31 min 09 s
